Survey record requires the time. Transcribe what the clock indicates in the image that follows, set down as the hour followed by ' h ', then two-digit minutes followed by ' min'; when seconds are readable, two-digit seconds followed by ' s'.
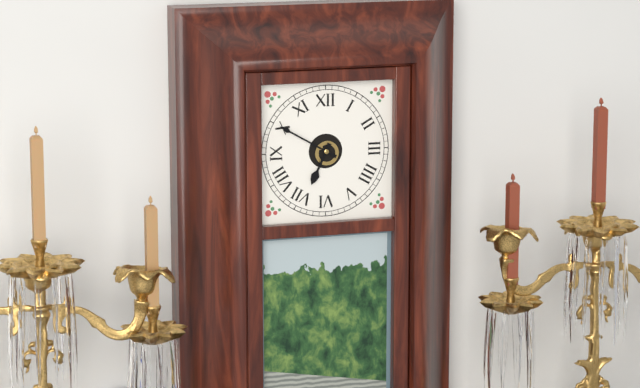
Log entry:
6 h 50 min
